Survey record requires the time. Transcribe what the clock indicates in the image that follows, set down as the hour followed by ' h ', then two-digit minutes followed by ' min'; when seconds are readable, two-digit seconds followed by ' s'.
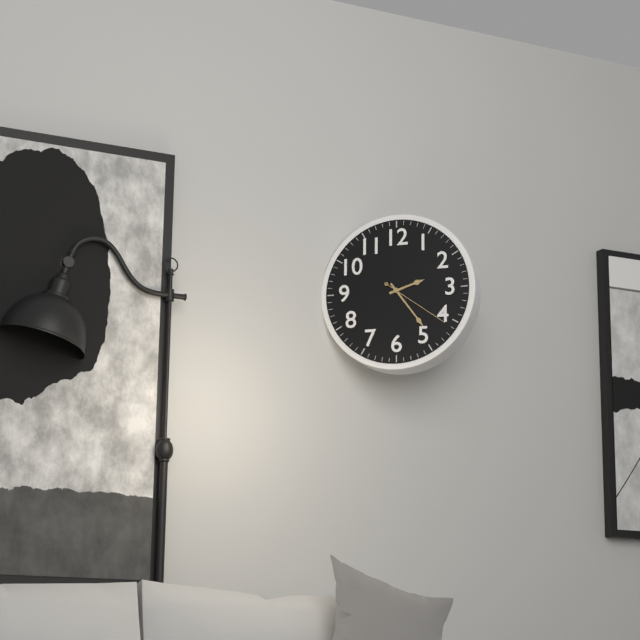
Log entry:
2 h 24 min 21 s
